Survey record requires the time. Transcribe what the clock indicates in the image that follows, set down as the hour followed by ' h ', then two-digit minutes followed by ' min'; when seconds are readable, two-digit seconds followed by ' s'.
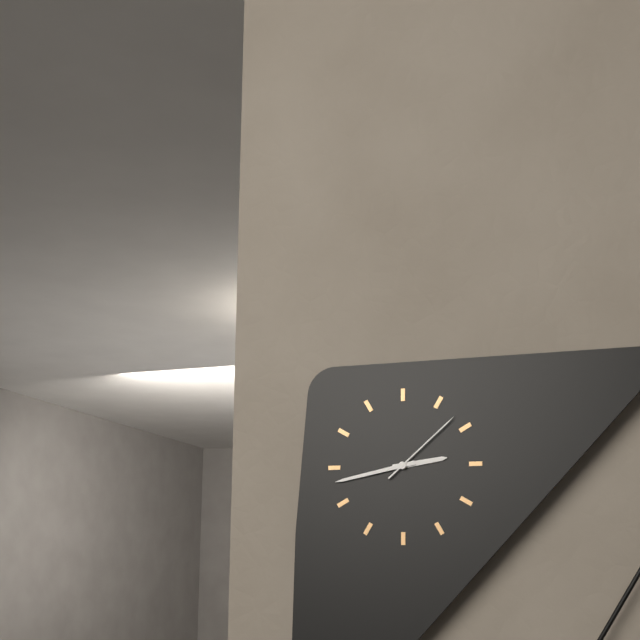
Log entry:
2 h 43 min 08 s
